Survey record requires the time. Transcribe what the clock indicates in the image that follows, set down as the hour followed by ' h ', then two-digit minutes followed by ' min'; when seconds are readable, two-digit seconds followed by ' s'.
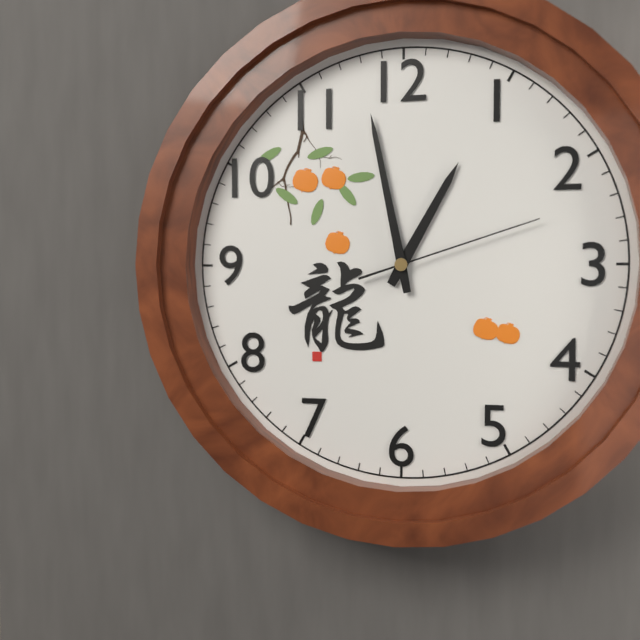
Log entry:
12 h 58 min 12 s
